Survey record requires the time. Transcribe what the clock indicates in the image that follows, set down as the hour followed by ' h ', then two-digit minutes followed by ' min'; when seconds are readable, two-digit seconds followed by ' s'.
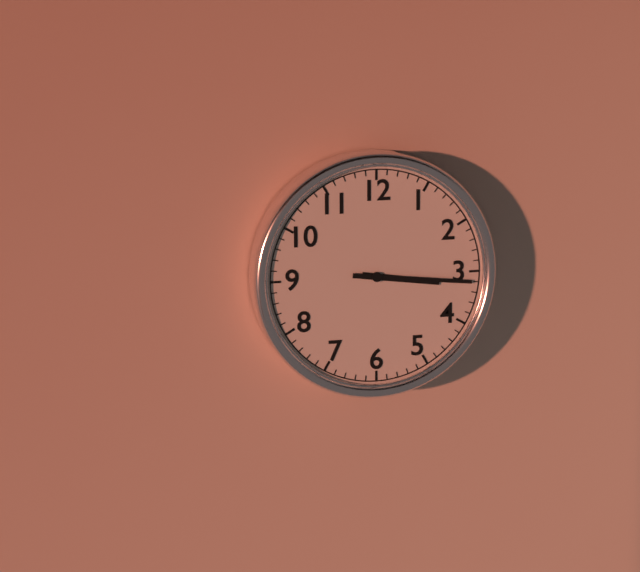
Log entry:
3 h 16 min
